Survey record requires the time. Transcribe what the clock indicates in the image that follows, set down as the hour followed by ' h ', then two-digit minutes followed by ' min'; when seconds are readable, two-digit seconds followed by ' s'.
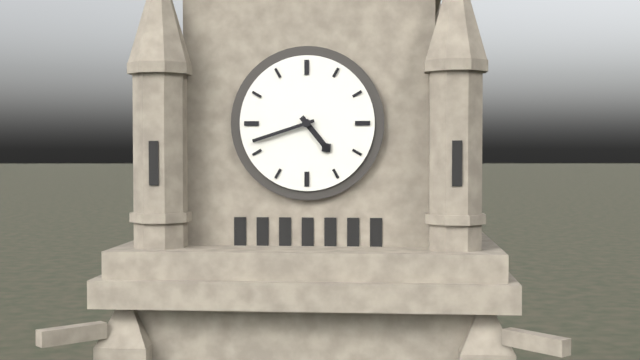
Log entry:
4 h 42 min
